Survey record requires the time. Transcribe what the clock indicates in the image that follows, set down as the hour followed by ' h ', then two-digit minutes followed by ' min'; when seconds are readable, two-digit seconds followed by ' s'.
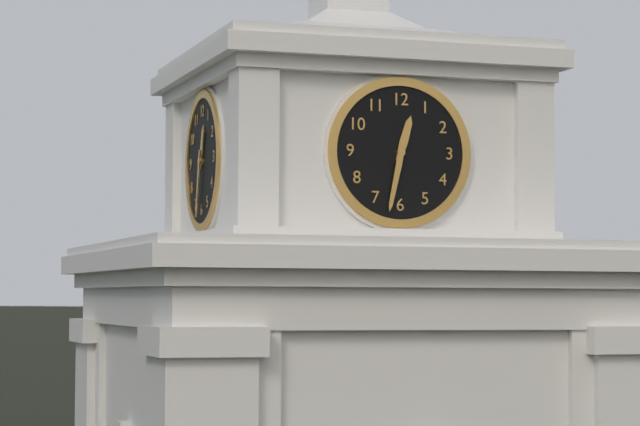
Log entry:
12 h 32 min
